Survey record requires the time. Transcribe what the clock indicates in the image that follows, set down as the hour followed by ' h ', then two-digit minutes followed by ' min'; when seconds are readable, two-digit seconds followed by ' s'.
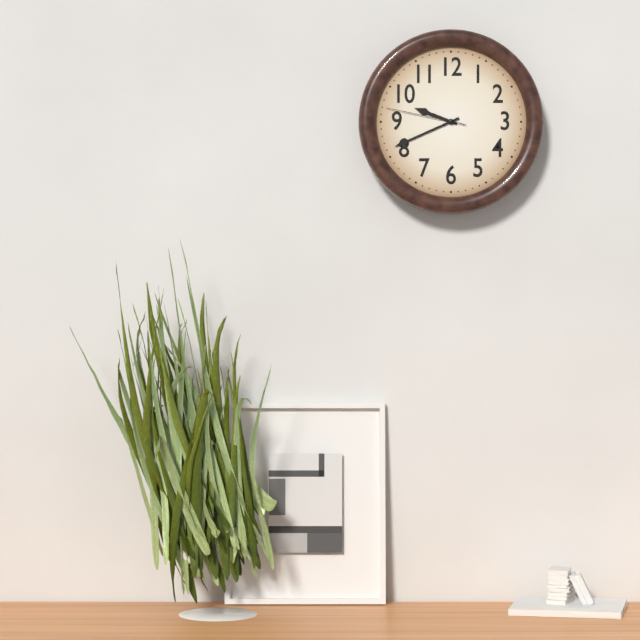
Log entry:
9 h 41 min 47 s
